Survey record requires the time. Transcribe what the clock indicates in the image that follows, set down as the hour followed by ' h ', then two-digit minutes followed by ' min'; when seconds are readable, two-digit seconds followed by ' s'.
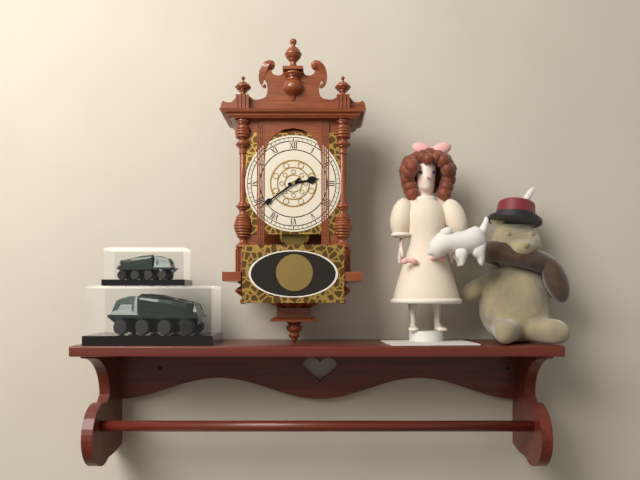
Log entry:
2 h 39 min
